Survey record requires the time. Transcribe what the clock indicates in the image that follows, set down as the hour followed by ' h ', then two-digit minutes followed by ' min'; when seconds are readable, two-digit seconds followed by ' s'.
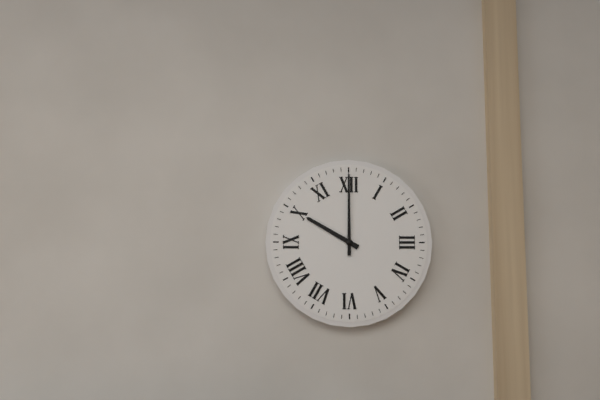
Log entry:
10 h 00 min
